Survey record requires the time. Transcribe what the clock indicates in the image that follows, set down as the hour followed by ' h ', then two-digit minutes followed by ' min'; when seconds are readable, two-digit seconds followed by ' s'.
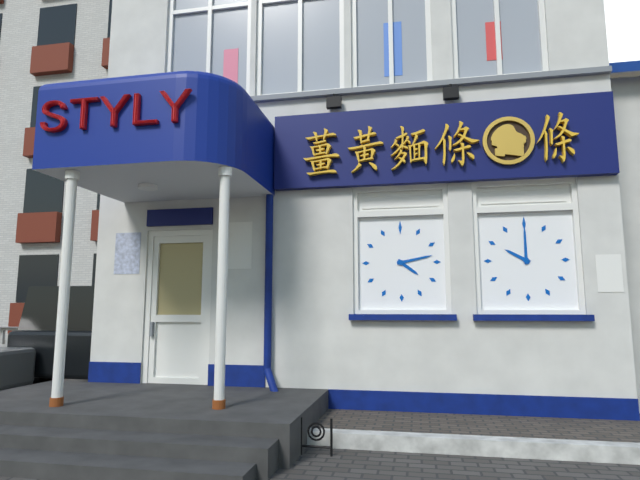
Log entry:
4 h 13 min
